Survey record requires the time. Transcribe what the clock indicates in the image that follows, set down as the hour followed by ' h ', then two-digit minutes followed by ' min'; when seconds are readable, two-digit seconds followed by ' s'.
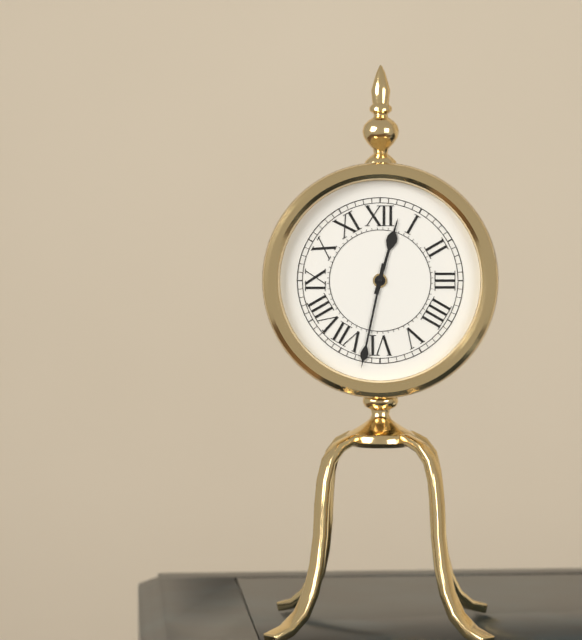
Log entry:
12 h 32 min
